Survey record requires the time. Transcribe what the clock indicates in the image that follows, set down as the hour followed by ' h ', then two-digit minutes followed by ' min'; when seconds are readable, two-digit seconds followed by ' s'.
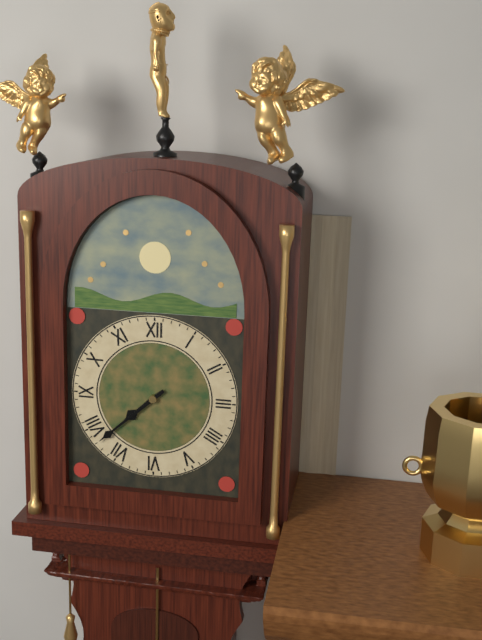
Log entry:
7 h 38 min
